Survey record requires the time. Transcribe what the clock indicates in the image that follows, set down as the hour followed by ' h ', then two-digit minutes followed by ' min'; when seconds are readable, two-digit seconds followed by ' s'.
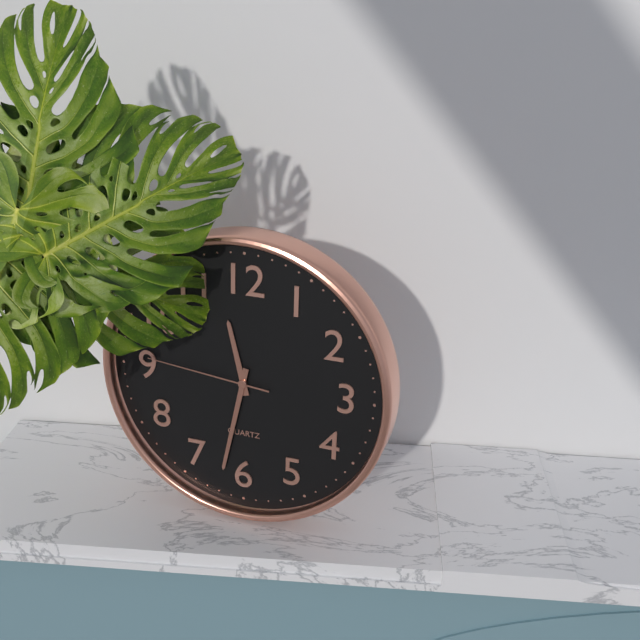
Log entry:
11 h 32 min 46 s
